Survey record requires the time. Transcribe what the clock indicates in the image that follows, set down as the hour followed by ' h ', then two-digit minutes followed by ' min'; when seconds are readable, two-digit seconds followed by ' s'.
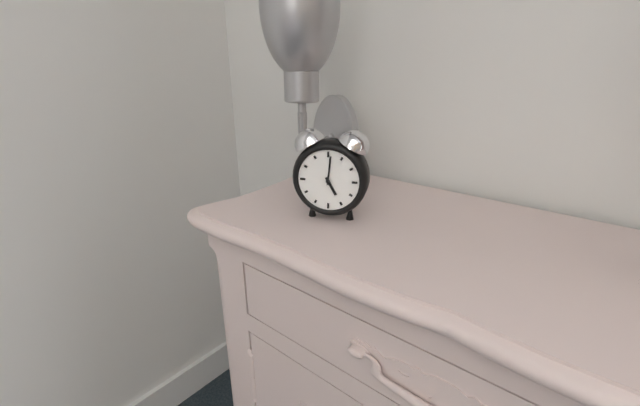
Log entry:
5 h 01 min
